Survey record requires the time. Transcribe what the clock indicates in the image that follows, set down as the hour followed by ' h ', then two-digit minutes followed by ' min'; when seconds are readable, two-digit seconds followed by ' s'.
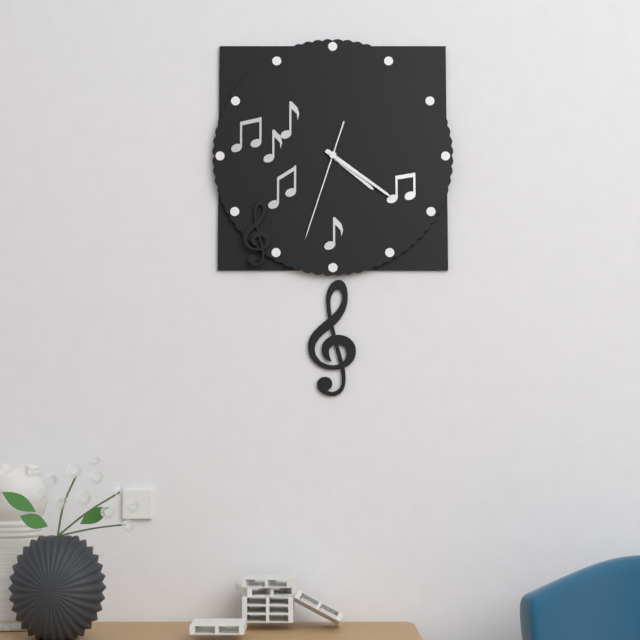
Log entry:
4 h 21 min 33 s
